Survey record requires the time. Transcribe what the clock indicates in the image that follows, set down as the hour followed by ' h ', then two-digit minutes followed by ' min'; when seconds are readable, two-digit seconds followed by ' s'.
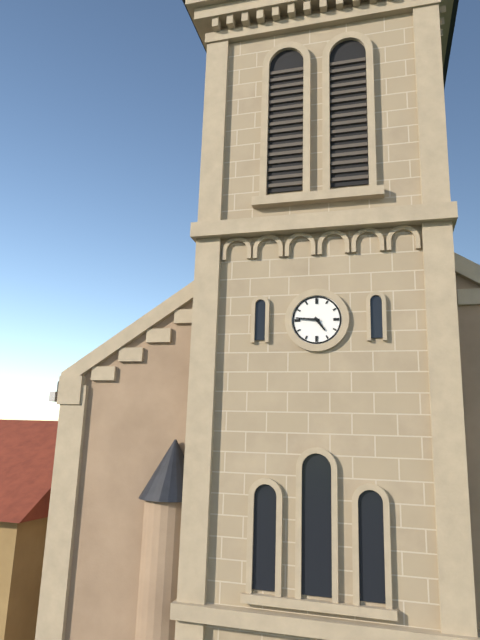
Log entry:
4 h 46 min
